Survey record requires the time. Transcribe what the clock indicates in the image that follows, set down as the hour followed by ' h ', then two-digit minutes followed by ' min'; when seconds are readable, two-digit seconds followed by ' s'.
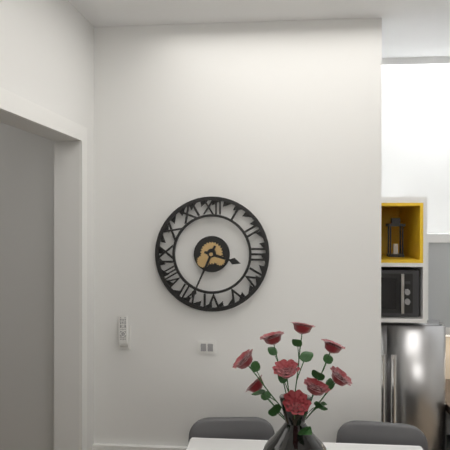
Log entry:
3 h 34 min
